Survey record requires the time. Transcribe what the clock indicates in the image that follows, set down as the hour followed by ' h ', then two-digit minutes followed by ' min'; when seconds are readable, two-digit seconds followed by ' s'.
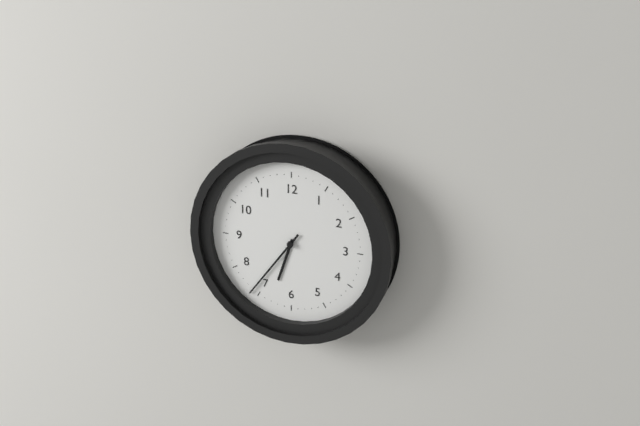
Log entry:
6 h 36 min
